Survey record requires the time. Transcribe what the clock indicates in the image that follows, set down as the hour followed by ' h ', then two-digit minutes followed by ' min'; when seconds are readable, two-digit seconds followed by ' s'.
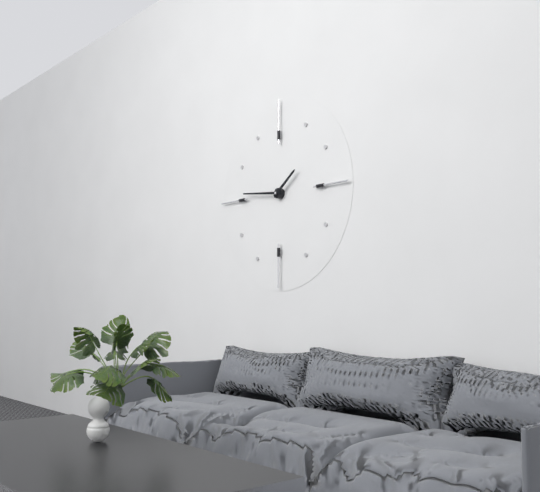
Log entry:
1 h 46 min
